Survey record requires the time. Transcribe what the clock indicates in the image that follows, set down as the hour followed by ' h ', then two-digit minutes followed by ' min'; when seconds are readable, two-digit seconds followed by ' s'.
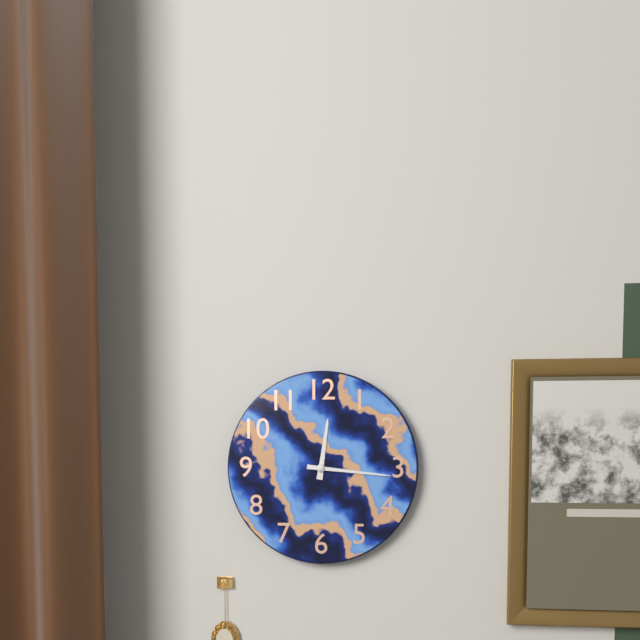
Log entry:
12 h 16 min
